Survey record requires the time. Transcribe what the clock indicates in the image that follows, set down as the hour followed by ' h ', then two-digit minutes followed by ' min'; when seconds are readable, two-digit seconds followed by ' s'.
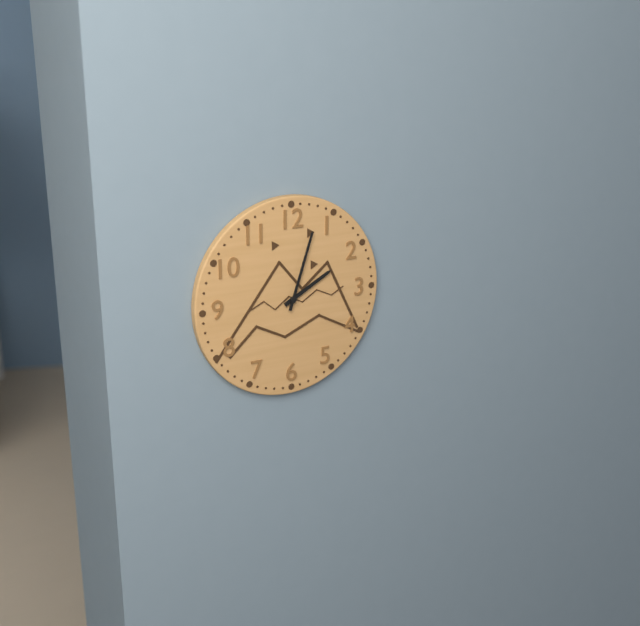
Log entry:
2 h 03 min
